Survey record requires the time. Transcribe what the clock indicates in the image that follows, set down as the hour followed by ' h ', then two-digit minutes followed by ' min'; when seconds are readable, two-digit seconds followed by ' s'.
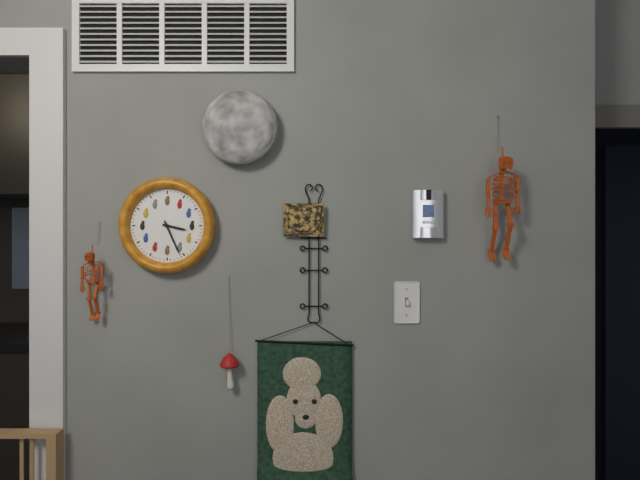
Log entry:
3 h 26 min
